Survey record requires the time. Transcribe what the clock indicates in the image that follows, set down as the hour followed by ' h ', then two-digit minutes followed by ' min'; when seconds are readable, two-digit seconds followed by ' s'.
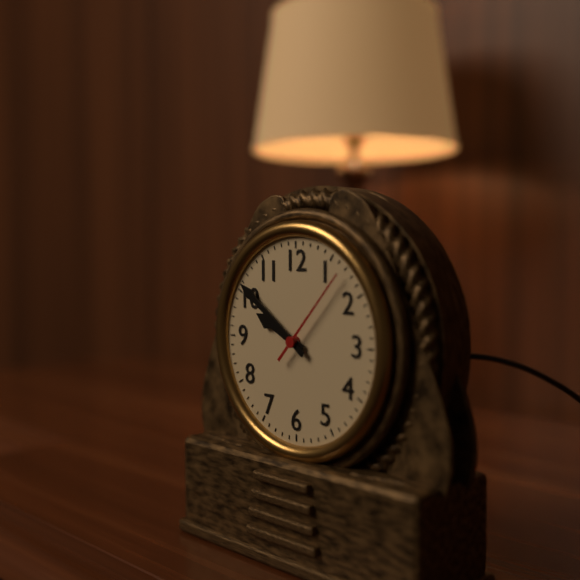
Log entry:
9 h 51 min 07 s
